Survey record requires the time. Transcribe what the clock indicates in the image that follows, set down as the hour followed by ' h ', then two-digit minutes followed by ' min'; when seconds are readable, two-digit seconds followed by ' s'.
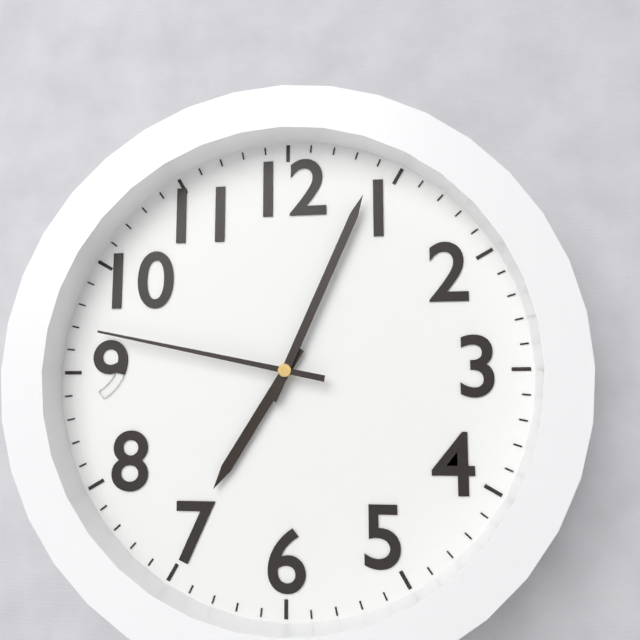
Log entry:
7 h 04 min 47 s
